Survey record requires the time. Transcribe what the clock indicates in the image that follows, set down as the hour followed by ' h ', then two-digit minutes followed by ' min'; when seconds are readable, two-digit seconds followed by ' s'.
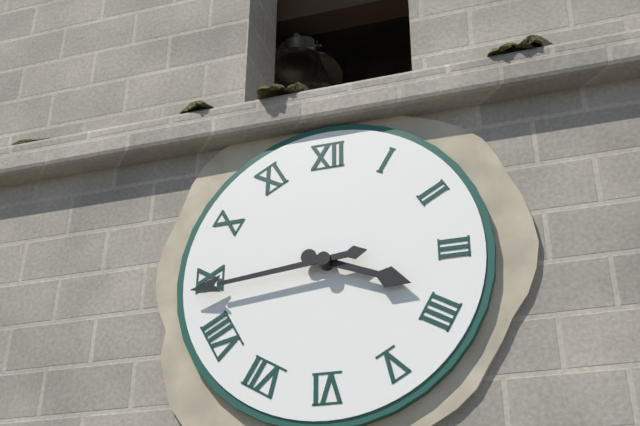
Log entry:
3 h 44 min
